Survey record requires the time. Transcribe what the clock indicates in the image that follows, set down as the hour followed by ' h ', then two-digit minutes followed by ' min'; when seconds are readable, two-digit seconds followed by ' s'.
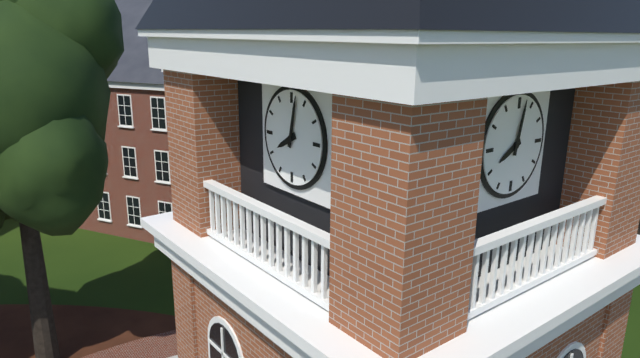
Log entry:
8 h 02 min
